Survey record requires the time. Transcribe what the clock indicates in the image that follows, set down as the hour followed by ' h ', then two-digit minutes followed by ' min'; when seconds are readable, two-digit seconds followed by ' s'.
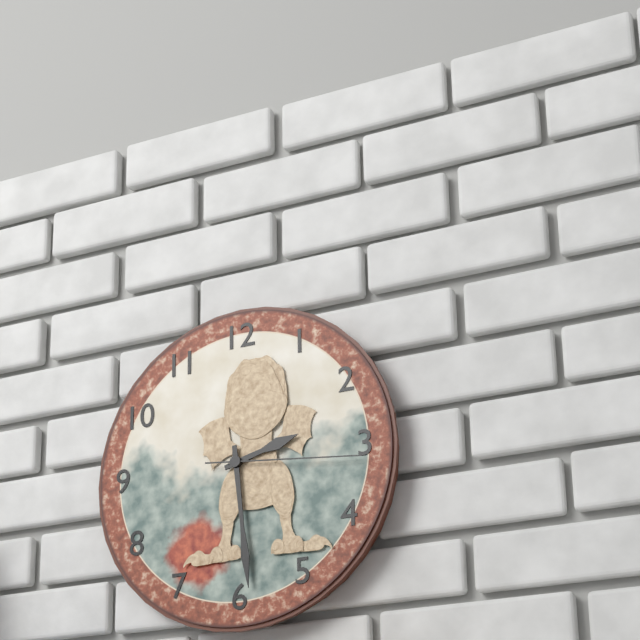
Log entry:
2 h 29 min 16 s
